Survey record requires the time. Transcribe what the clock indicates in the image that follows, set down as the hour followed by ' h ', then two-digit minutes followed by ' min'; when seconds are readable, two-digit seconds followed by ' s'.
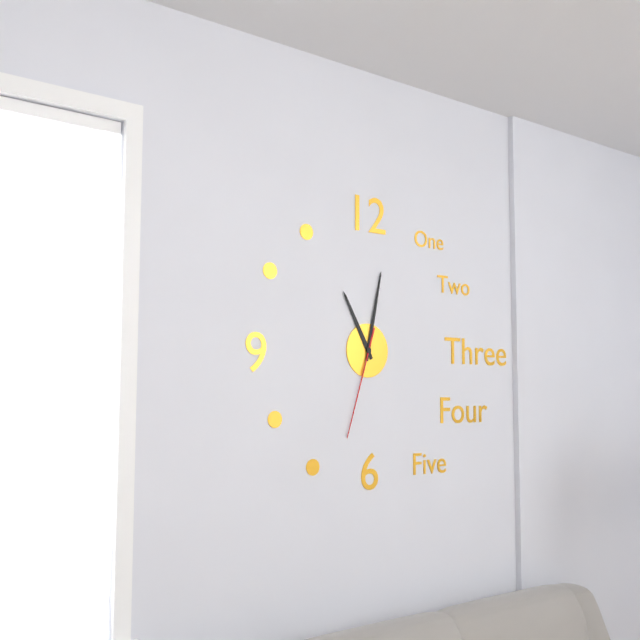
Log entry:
11 h 02 min 33 s
